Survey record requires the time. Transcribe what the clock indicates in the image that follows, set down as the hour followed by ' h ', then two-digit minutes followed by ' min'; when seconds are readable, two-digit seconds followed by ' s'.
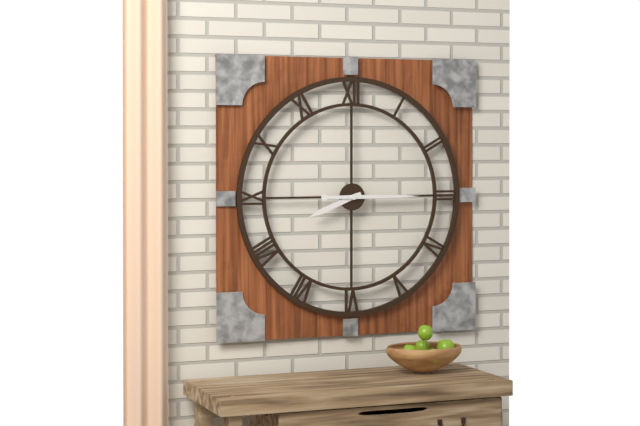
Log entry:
8 h 15 min
